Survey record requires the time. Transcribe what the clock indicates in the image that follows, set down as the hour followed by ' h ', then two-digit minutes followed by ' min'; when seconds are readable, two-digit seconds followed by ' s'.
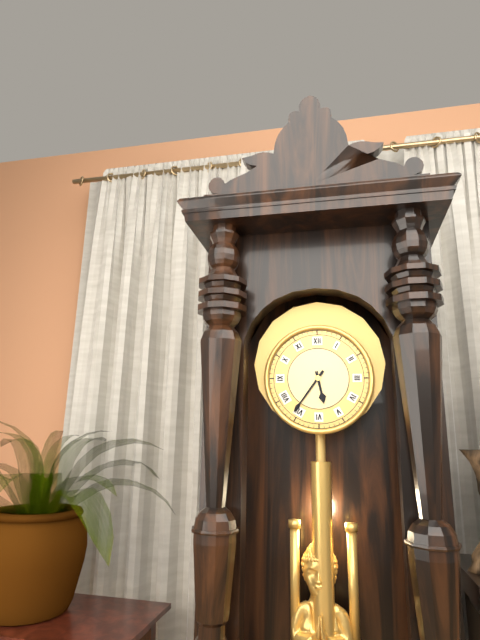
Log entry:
5 h 36 min
